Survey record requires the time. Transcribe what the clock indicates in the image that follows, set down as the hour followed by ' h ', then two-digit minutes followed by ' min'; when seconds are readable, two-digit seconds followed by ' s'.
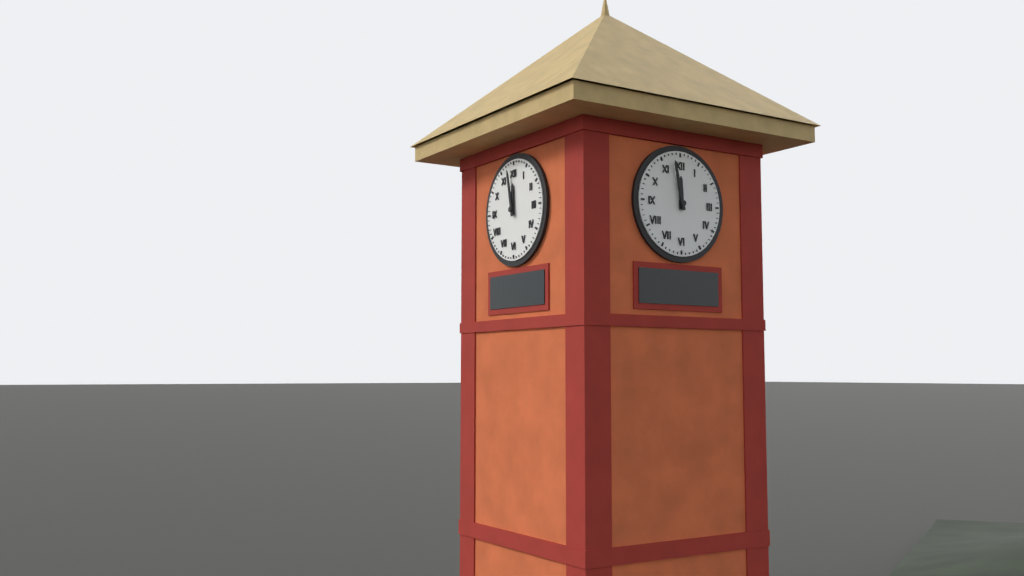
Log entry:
11 h 58 min
